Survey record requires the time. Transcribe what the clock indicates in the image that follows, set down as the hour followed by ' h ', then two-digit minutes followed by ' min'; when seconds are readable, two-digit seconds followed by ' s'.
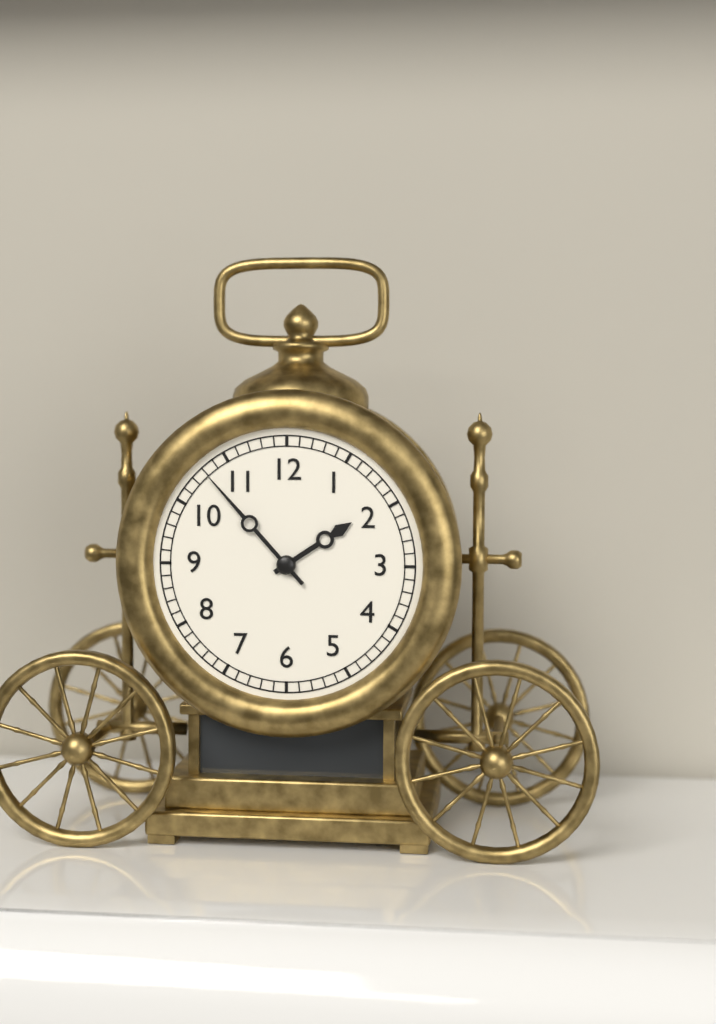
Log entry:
1 h 53 min
